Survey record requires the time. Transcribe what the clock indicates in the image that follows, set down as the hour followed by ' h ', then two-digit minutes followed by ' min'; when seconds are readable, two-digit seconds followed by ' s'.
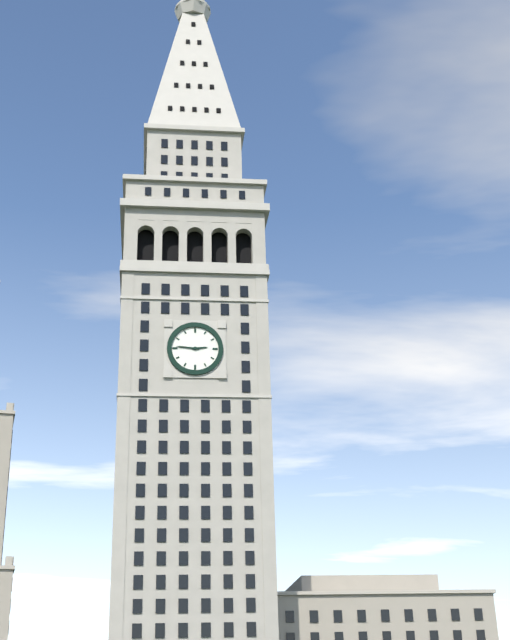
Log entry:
2 h 46 min
